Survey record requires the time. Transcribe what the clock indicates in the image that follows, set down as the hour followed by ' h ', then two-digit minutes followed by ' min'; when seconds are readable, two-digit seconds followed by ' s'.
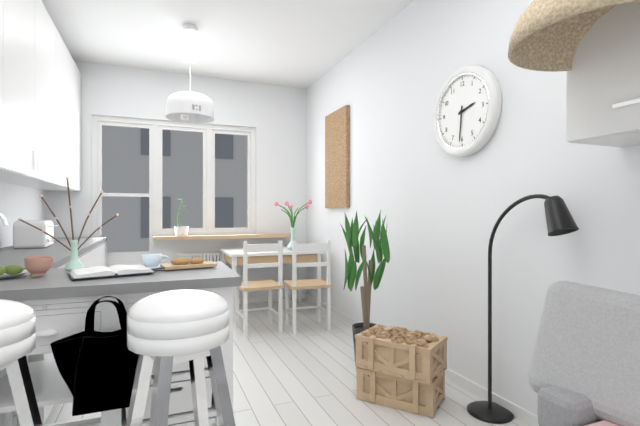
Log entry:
2 h 31 min
